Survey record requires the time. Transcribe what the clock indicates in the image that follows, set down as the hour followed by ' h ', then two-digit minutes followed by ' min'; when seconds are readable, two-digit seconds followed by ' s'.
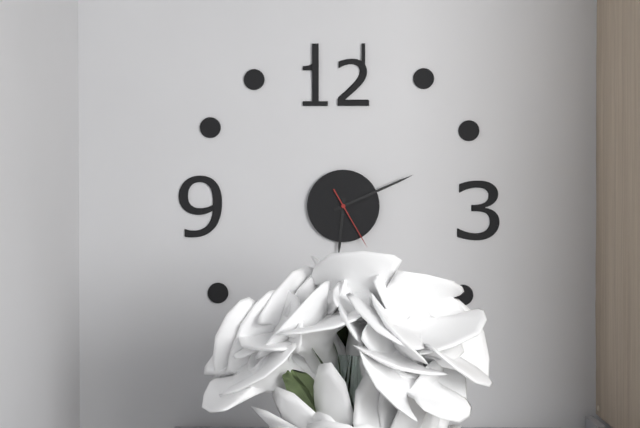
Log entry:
6 h 11 min 25 s
